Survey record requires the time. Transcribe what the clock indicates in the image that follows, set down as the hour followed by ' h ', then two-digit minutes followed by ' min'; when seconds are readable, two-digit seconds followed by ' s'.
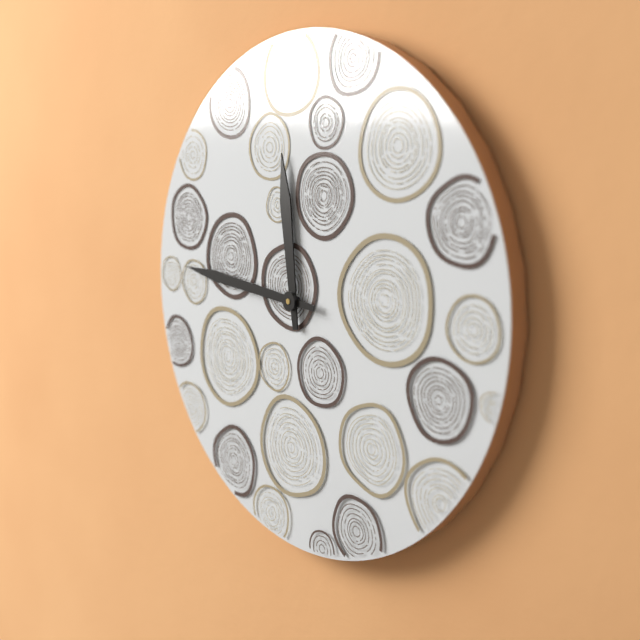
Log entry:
11 h 46 min
